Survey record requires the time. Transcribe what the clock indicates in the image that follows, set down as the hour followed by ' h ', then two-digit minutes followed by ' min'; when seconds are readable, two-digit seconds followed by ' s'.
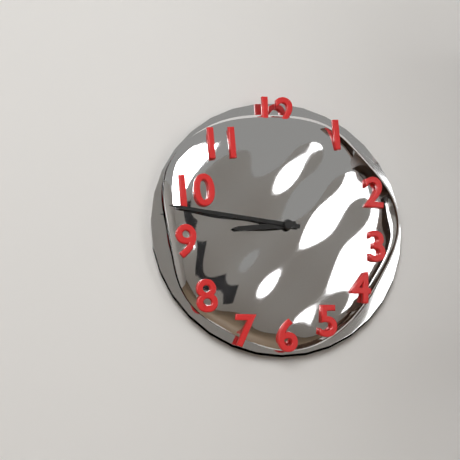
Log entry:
8 h 46 min
